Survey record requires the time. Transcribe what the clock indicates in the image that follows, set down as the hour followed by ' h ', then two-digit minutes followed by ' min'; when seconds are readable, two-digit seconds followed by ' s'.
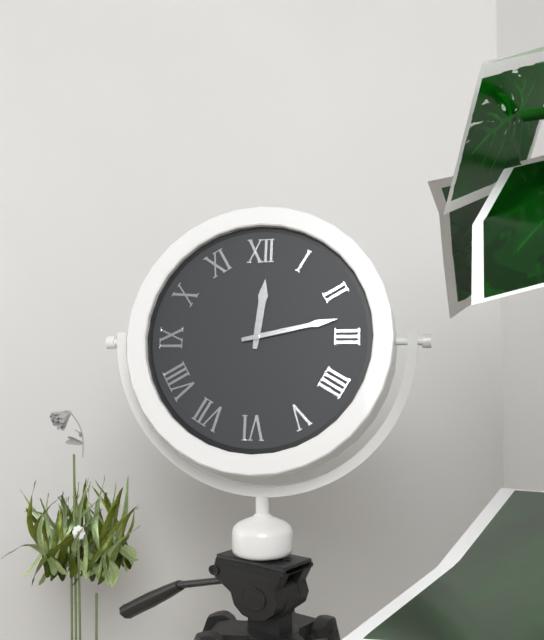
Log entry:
12 h 13 min
